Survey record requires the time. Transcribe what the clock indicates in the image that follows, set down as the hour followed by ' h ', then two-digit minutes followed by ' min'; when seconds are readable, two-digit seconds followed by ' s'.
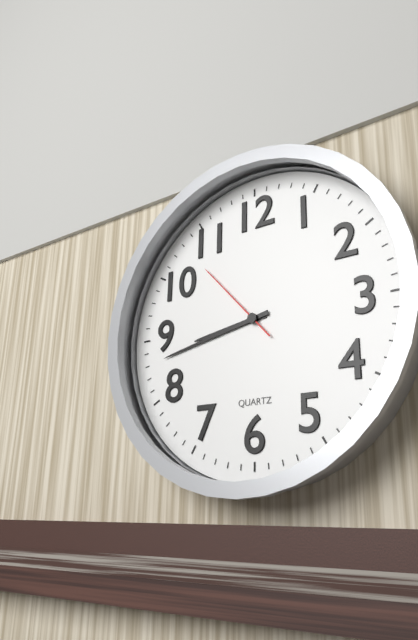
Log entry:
8 h 43 min 53 s
